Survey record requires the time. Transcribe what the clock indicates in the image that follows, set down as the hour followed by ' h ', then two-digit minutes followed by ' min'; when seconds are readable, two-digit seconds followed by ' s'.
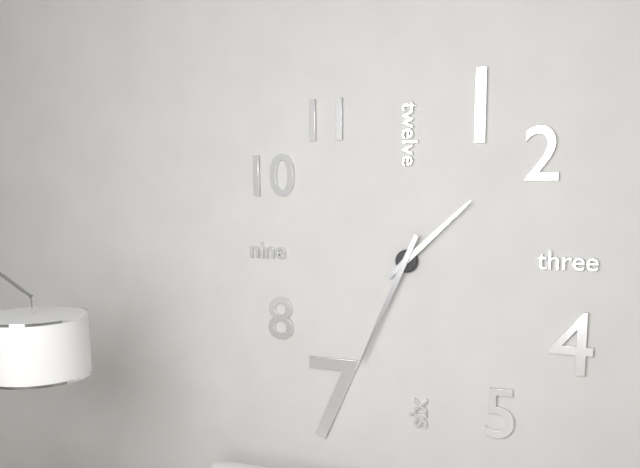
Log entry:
1 h 34 min
